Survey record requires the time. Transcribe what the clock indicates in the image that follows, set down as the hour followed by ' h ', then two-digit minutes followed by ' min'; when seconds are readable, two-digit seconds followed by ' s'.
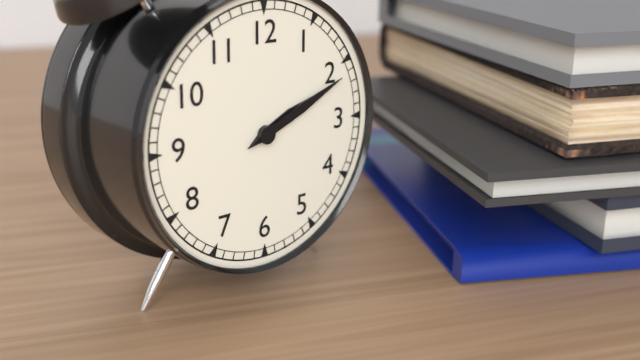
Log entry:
2 h 11 min
